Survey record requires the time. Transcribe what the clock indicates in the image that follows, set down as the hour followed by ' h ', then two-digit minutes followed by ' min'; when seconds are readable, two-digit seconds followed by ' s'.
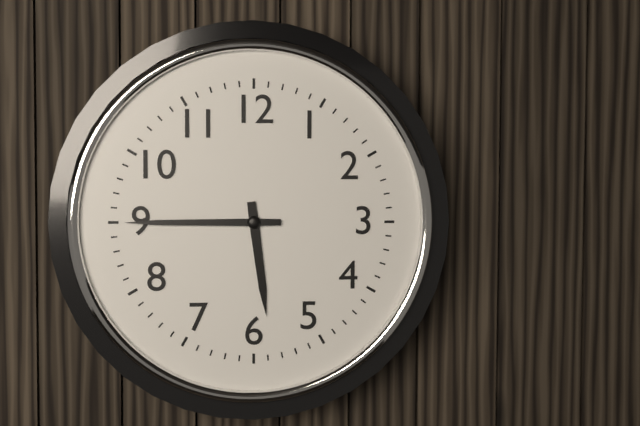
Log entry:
5 h 45 min
